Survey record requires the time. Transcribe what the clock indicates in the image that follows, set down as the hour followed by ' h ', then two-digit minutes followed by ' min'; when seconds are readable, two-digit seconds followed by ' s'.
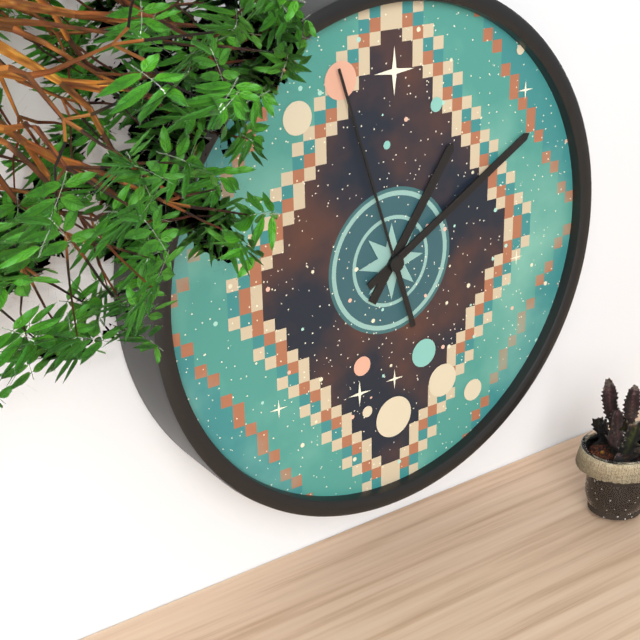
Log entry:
1 h 10 min 57 s
